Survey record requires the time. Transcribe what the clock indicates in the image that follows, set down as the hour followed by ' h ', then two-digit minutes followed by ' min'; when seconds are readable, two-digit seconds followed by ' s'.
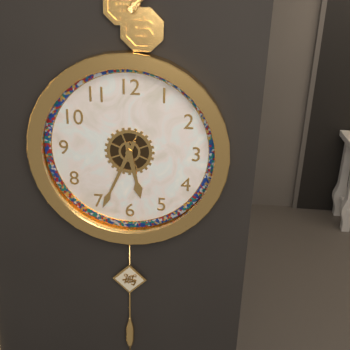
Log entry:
5 h 34 min
